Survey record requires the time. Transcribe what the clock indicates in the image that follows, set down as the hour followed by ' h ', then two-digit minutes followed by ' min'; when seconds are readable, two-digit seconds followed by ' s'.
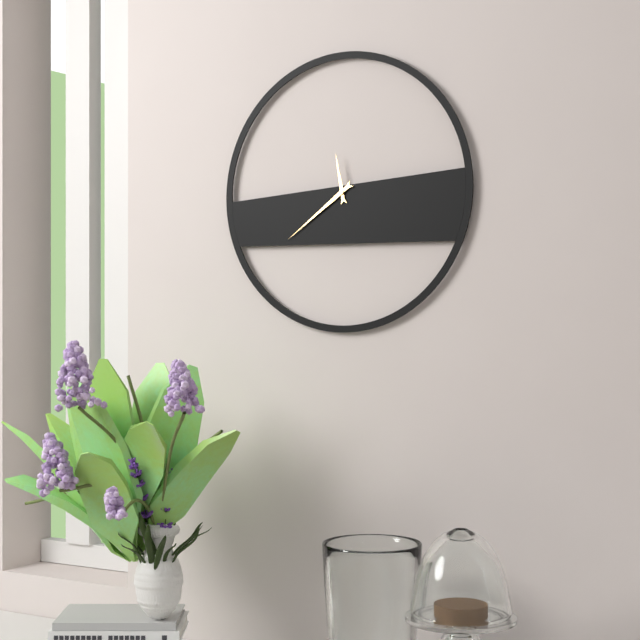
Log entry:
11 h 39 min
